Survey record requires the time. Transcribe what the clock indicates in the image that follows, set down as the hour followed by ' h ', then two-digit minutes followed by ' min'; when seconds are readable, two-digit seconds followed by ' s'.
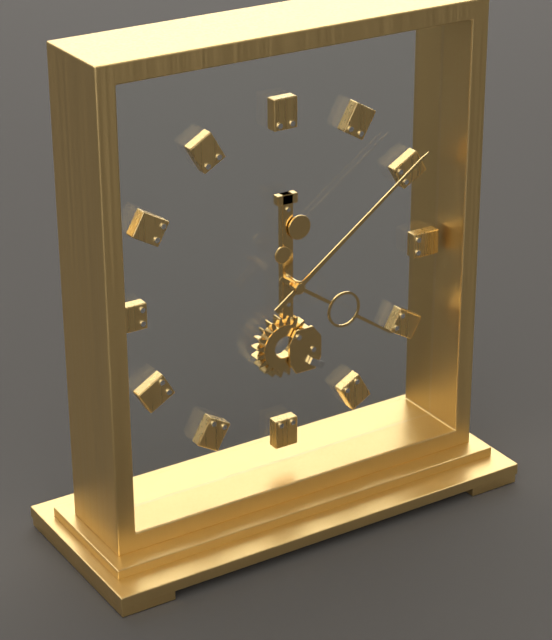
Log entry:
4 h 09 min
